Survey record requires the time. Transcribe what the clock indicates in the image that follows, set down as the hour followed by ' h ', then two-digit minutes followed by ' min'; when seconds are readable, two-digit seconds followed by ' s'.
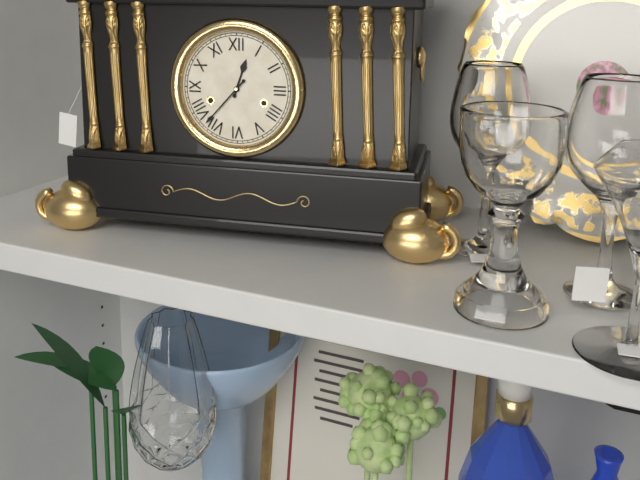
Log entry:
12 h 37 min
